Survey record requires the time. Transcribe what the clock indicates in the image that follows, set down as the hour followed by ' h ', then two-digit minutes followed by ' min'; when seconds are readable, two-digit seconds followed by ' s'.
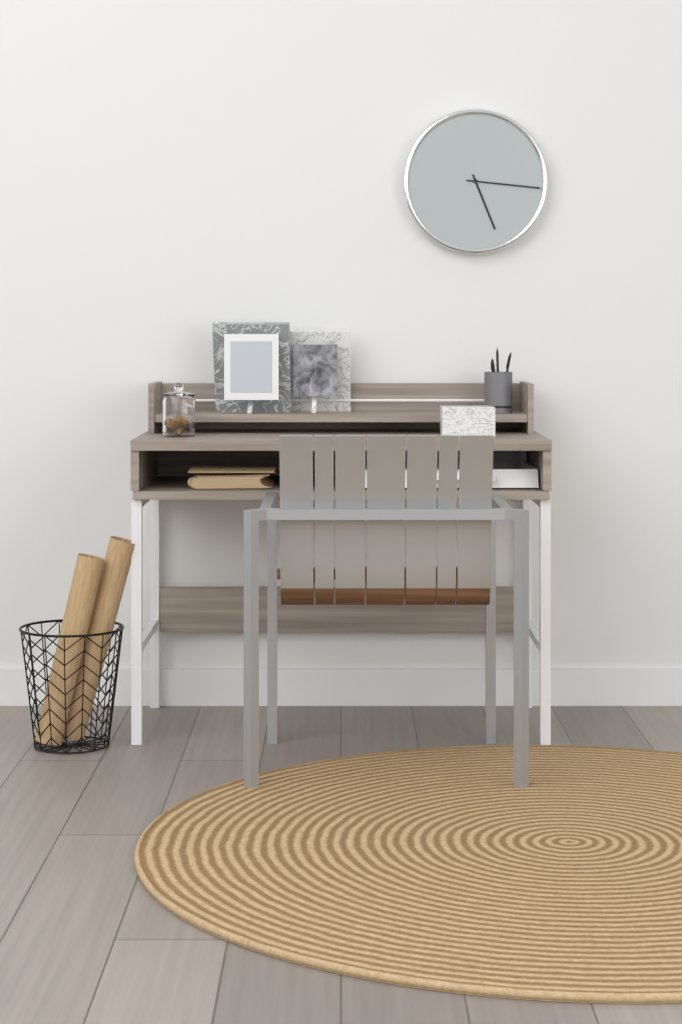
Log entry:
5 h 16 min
